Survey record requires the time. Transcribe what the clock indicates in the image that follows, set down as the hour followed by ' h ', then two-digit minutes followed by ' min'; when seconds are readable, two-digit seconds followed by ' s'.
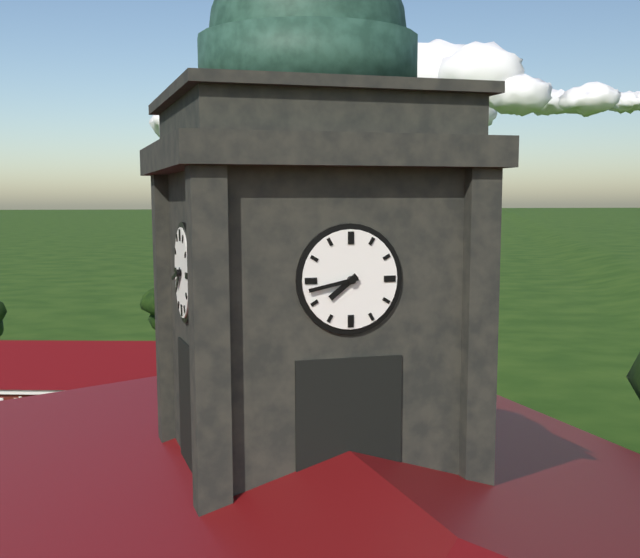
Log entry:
7 h 43 min
